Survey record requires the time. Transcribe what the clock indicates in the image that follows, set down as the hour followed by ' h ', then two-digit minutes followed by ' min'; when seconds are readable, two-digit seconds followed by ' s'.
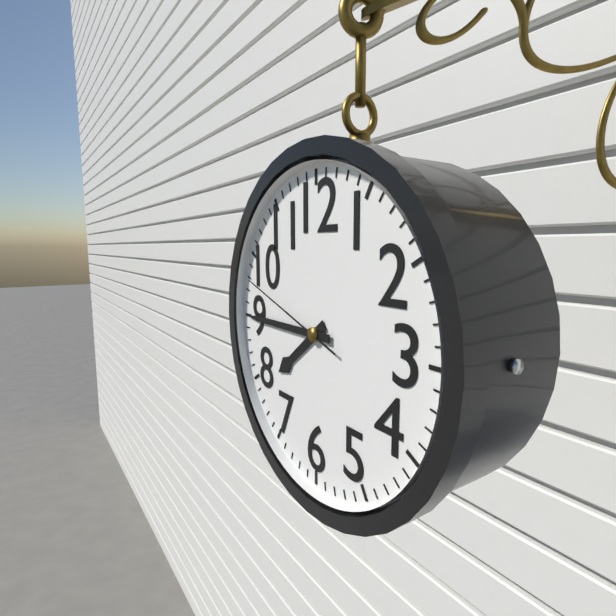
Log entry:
7 h 45 min 48 s
